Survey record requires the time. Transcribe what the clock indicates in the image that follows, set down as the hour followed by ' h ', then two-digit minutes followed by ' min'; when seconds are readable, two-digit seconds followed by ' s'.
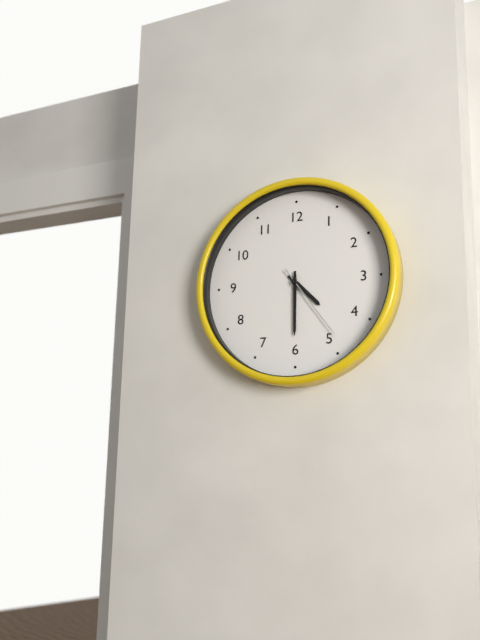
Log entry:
4 h 30 min 24 s
